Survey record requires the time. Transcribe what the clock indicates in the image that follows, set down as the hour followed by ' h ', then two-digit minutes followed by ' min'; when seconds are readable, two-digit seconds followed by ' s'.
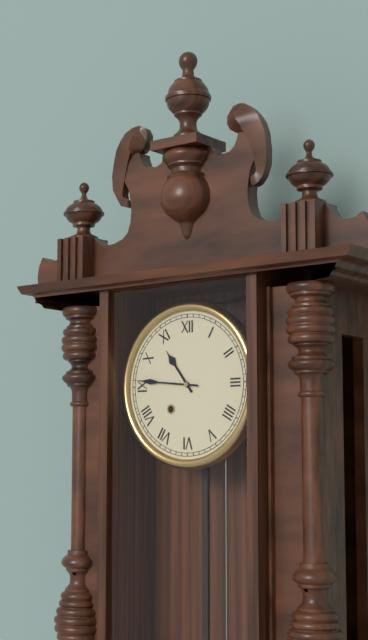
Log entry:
10 h 46 min
